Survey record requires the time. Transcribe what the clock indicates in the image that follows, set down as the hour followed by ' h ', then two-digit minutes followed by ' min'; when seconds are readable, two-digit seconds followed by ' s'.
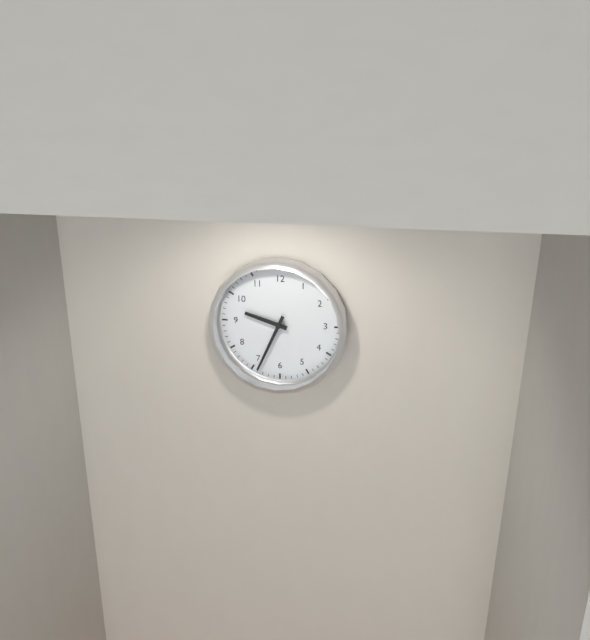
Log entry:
9 h 34 min
